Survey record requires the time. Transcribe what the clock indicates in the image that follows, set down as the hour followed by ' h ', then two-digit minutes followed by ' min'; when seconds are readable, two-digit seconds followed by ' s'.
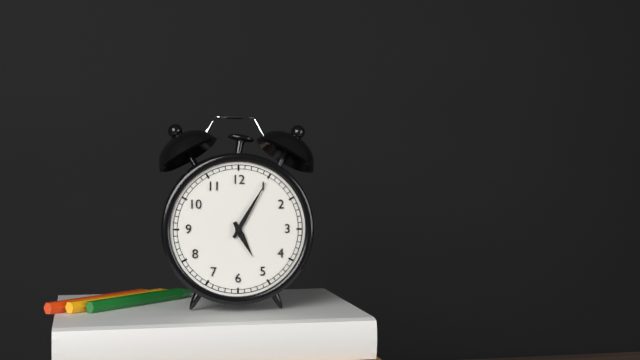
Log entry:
5 h 05 min
